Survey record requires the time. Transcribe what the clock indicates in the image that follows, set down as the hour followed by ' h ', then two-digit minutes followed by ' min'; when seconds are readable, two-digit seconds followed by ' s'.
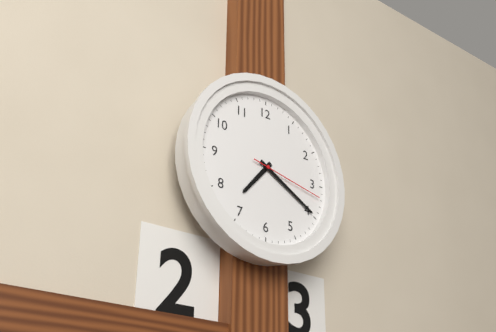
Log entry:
7 h 20 min 17 s
